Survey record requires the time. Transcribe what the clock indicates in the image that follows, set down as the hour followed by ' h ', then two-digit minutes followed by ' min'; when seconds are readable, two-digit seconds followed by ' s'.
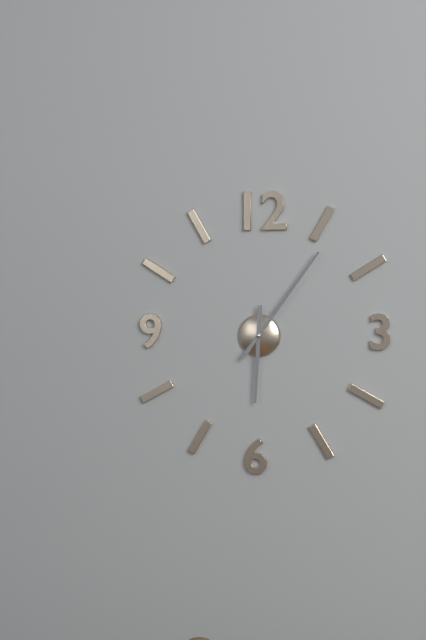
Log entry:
6 h 06 min
